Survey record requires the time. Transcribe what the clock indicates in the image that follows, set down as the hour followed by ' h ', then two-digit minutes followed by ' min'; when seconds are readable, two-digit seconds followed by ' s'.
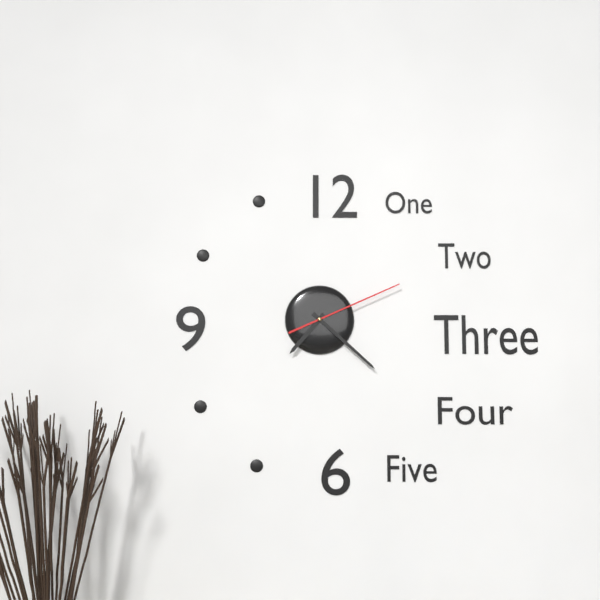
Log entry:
7 h 22 min 11 s
